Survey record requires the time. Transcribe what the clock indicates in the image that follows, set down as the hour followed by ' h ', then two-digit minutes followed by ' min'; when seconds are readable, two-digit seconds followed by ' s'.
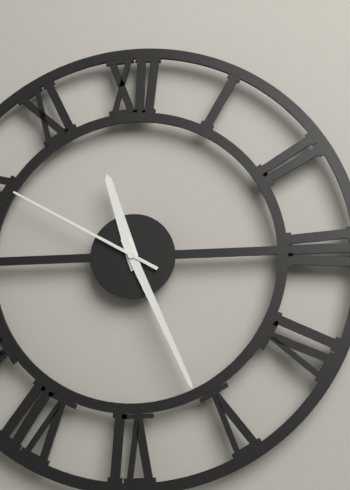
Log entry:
11 h 26 min 50 s
